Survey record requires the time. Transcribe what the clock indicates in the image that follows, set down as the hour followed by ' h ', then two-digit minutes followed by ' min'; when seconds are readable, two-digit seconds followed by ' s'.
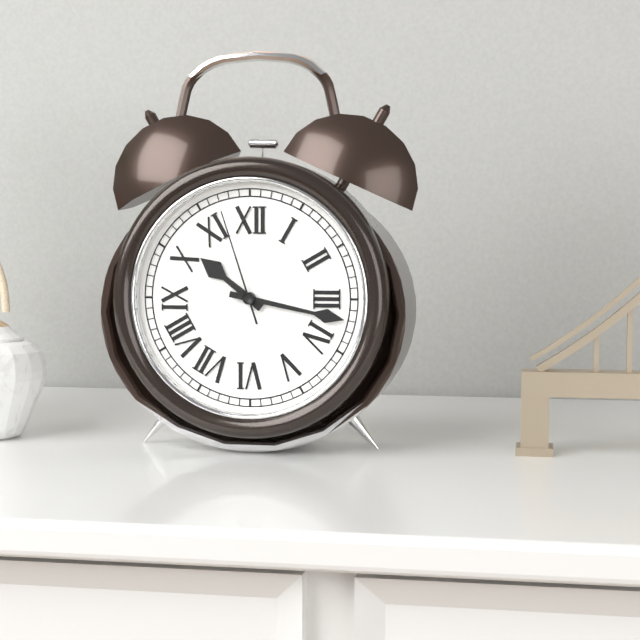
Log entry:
10 h 17 min 57 s
